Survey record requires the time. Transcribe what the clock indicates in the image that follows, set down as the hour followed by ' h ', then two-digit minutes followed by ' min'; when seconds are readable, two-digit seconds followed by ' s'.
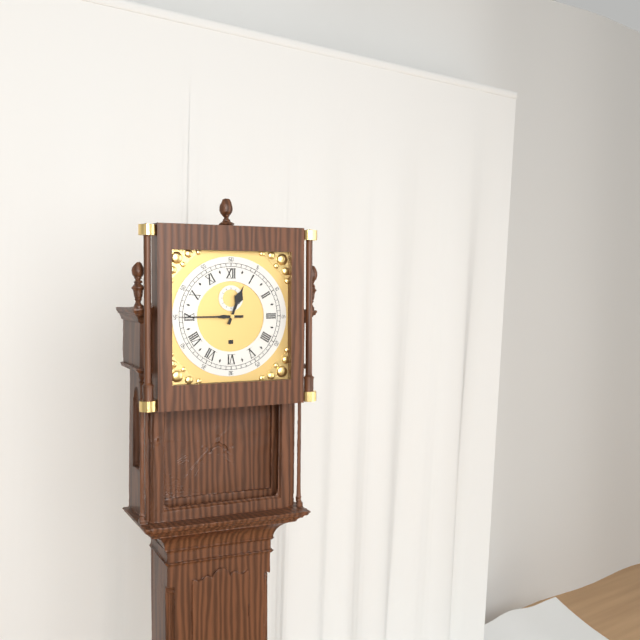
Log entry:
12 h 45 min
